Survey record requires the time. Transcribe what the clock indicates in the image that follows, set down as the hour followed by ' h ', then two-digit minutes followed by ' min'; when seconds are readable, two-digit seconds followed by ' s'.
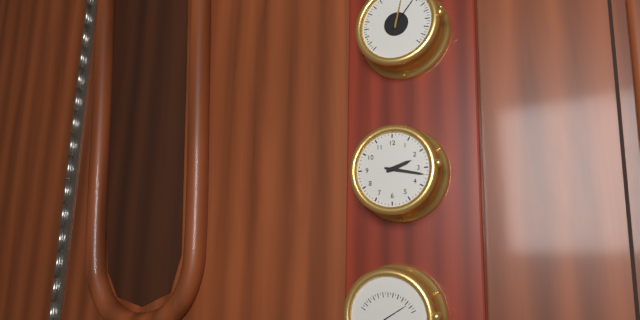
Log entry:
2 h 17 min
